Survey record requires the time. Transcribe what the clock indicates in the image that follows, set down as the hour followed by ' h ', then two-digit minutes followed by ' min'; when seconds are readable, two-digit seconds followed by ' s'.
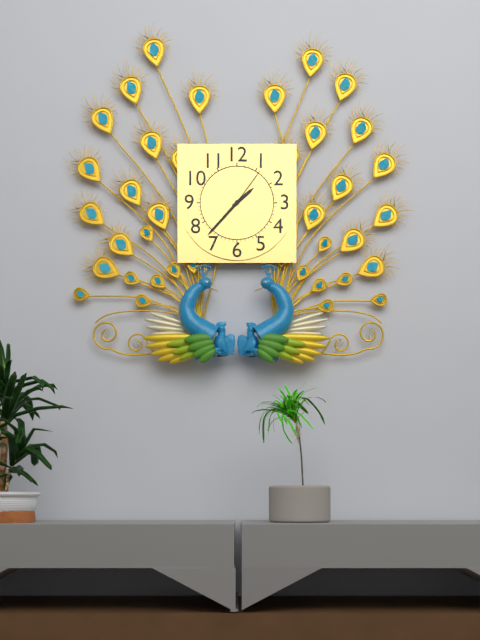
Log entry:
1 h 37 min
